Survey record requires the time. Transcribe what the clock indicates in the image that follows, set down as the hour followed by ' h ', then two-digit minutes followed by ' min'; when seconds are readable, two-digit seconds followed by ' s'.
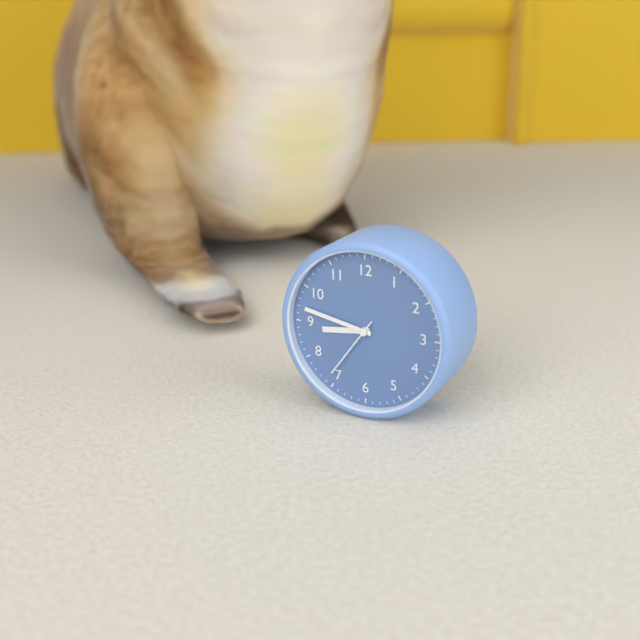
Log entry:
8 h 47 min 36 s
